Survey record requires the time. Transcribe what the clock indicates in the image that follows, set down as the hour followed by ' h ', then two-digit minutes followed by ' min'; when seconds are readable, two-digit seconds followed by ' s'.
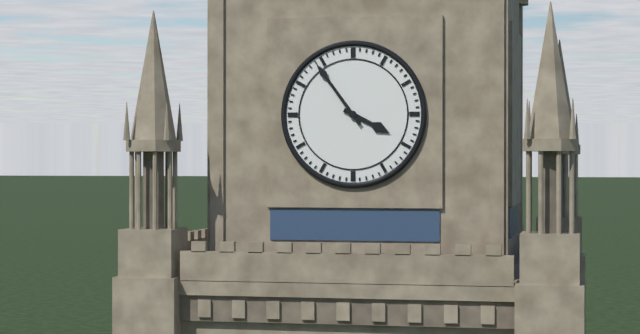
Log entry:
3 h 54 min
